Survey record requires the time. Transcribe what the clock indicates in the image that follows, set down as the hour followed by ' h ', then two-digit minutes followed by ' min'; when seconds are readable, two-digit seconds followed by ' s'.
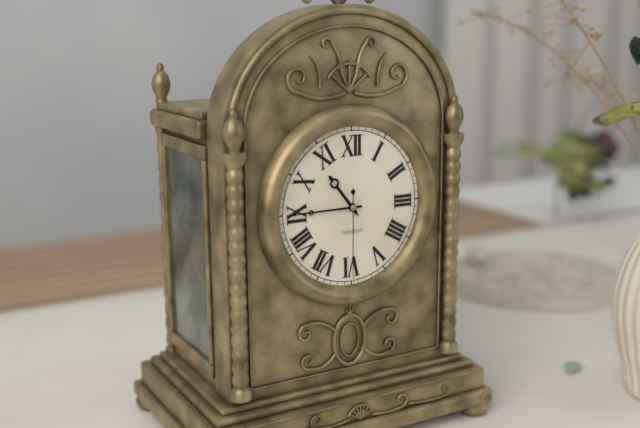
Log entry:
10 h 45 min 30 s
